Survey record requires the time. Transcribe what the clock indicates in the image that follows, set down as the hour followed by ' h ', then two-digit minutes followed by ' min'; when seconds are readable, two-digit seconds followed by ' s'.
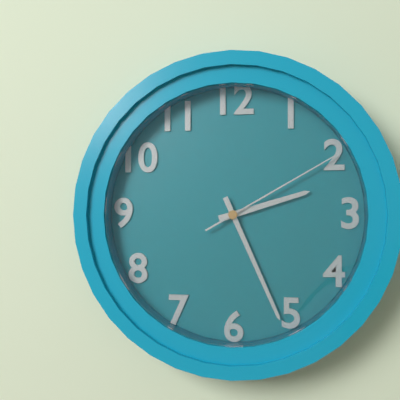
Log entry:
2 h 26 min 10 s
